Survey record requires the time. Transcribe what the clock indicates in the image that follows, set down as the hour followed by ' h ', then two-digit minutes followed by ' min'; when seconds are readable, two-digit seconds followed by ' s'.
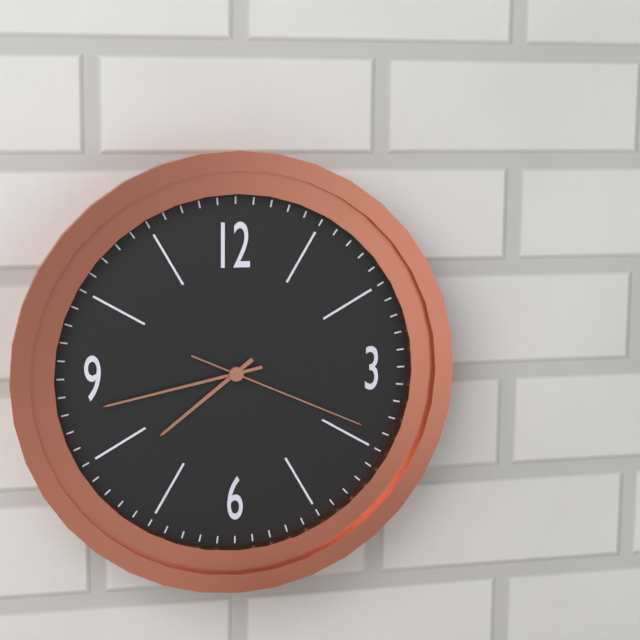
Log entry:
7 h 43 min 19 s
